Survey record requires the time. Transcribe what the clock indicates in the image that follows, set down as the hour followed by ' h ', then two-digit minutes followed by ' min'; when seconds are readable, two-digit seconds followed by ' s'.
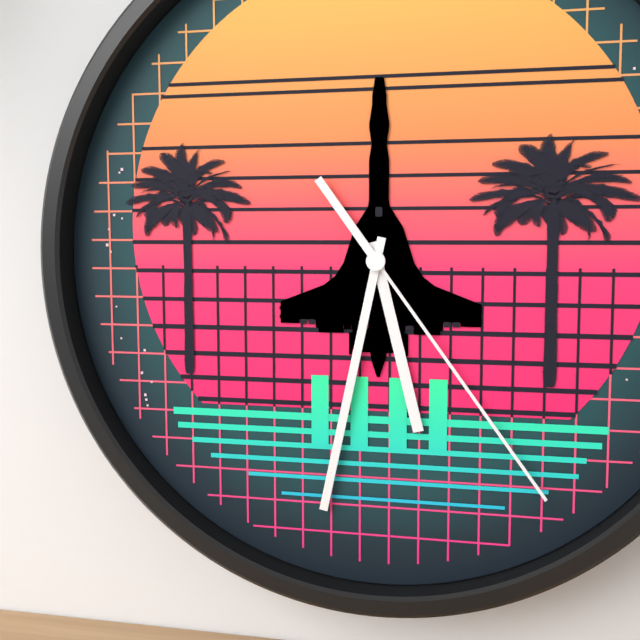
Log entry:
5 h 32 min 24 s
